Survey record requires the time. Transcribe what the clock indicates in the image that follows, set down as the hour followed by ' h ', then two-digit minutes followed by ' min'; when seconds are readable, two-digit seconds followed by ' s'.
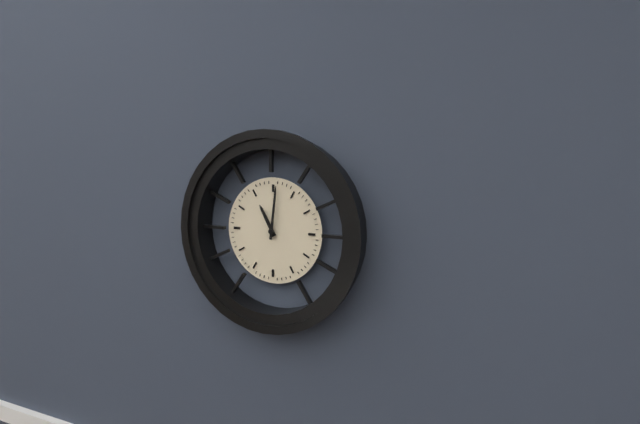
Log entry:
11 h 01 min
